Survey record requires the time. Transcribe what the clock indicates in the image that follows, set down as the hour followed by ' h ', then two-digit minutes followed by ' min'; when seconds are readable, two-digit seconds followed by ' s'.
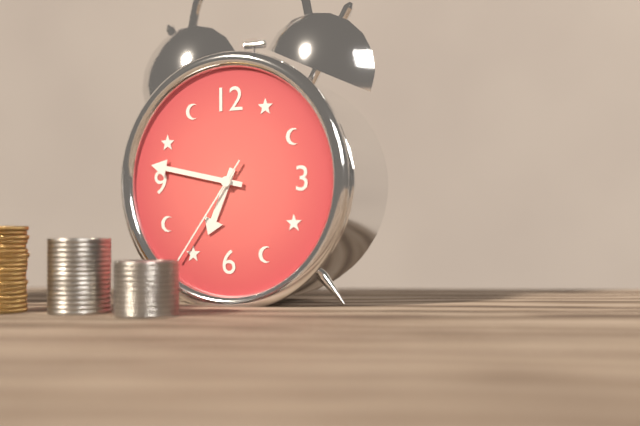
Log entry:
6 h 47 min 36 s
